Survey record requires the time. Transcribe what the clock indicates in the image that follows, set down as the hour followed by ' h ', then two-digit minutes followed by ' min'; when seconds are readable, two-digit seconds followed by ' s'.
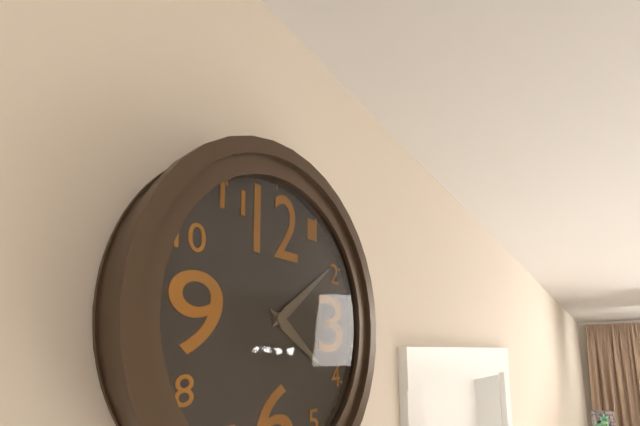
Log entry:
4 h 09 min
